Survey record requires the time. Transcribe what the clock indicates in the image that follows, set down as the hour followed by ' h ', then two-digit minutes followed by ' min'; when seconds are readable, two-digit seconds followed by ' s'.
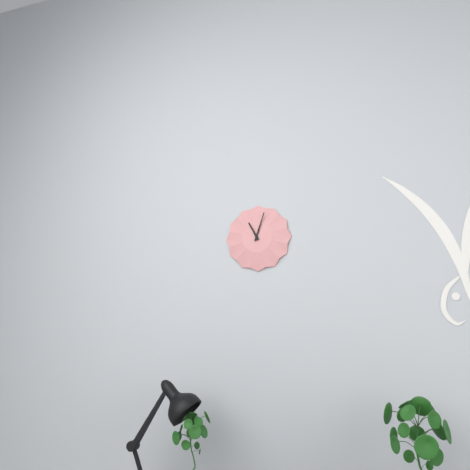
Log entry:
11 h 03 min
